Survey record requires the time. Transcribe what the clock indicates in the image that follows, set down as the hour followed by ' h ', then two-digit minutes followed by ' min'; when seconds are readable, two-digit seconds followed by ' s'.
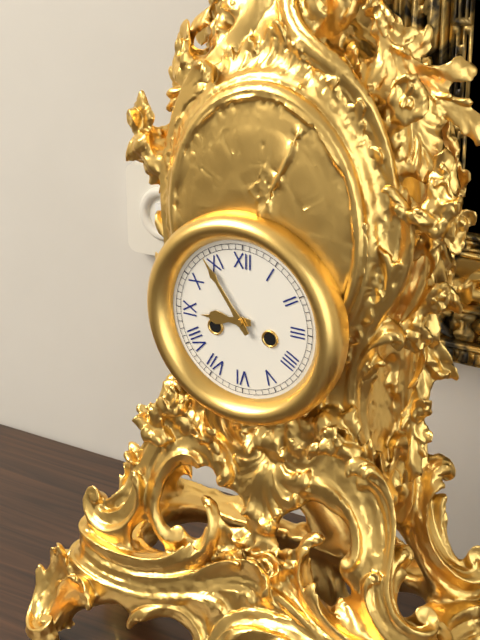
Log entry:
8 h 54 min
